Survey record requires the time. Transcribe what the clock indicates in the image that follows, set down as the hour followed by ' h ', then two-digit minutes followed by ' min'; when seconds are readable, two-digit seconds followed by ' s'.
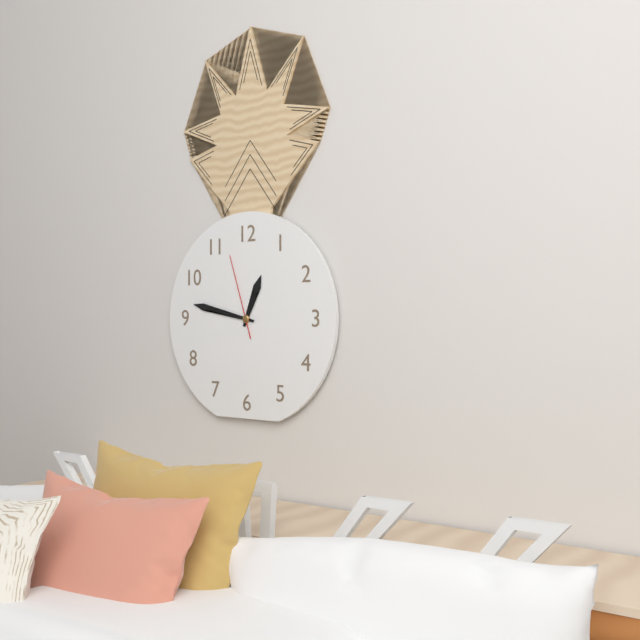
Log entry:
12 h 47 min 57 s
